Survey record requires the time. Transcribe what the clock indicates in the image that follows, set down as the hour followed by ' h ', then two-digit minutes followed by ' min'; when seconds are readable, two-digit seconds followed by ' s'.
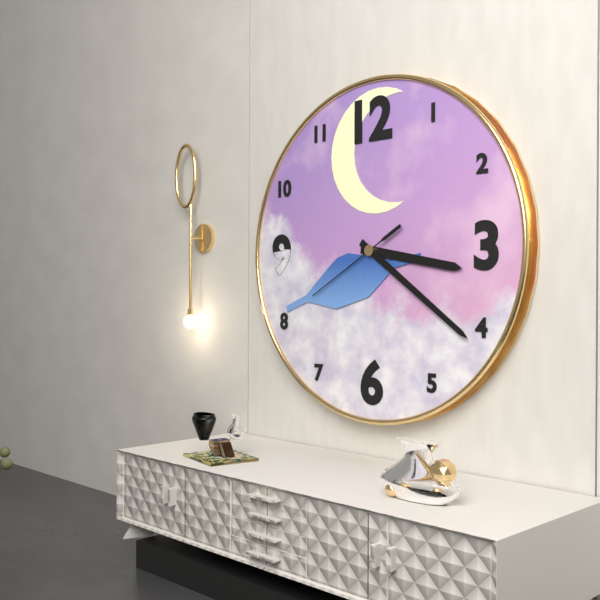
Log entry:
3 h 21 min 40 s
